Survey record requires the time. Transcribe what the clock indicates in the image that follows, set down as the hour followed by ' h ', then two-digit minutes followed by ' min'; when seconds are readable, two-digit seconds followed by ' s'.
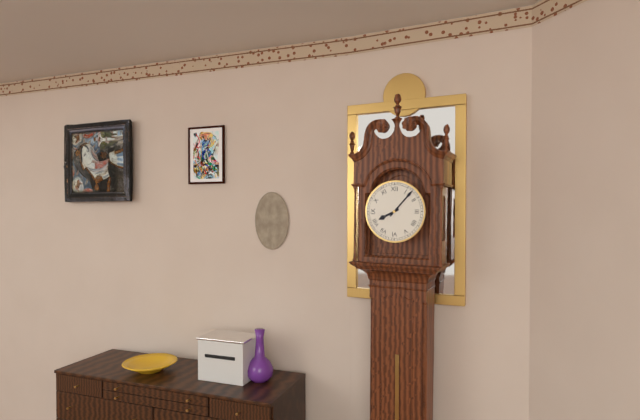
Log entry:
8 h 07 min
